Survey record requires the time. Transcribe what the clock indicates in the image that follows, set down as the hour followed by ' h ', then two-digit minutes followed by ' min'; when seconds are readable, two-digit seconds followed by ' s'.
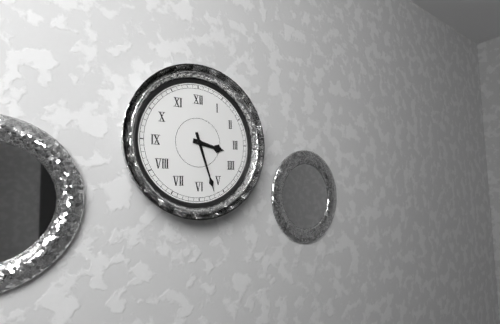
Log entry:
3 h 27 min
